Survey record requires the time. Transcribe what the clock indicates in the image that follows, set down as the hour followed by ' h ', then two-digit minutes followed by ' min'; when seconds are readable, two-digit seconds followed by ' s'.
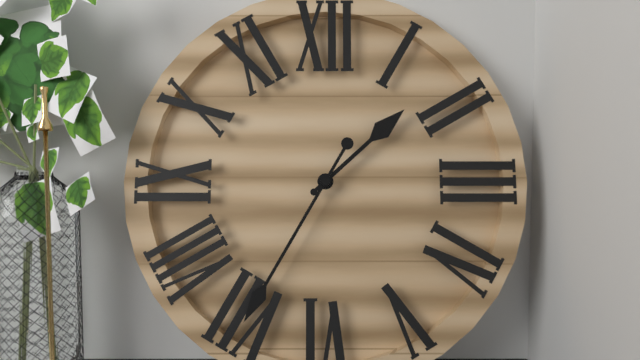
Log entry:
1 h 35 min
